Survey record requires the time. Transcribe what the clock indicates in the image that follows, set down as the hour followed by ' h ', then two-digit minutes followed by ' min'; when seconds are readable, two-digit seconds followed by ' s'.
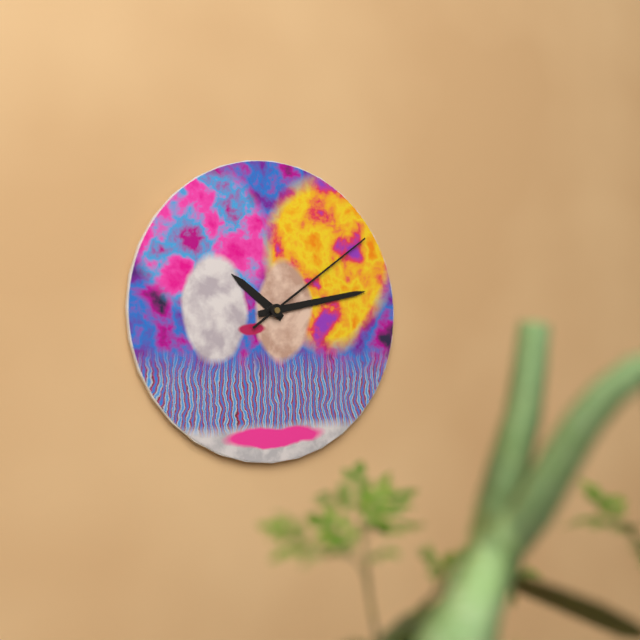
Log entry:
10 h 13 min 09 s
